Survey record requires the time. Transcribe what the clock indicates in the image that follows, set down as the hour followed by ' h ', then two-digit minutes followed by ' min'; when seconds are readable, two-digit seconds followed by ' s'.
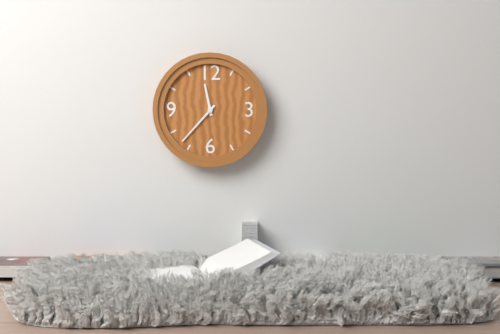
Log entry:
11 h 37 min
